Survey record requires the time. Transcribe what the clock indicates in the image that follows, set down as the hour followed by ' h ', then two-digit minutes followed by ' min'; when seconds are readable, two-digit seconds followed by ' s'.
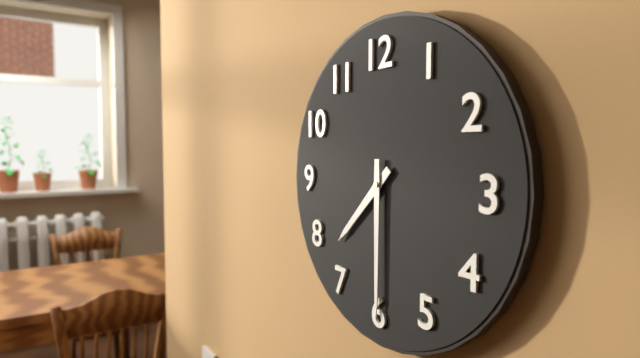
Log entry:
7 h 30 min
